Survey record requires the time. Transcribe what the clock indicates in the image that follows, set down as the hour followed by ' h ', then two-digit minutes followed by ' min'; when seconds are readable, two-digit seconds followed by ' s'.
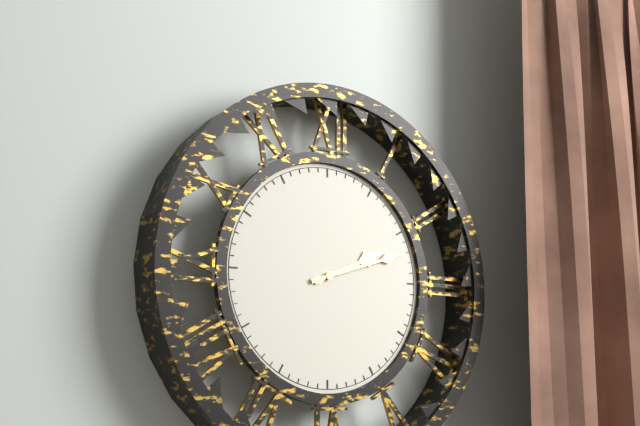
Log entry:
2 h 12 min
